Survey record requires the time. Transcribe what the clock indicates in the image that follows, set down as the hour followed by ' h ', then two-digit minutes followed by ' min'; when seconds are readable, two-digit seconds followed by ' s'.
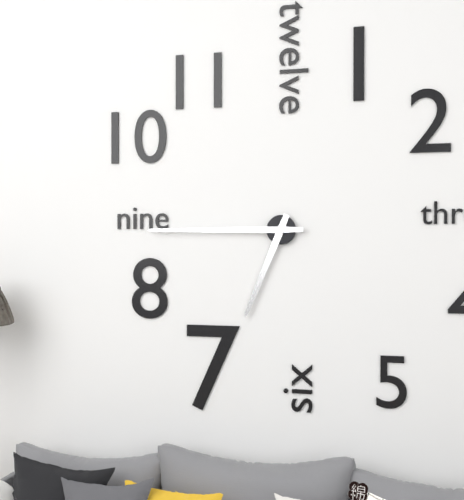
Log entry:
6 h 45 min
